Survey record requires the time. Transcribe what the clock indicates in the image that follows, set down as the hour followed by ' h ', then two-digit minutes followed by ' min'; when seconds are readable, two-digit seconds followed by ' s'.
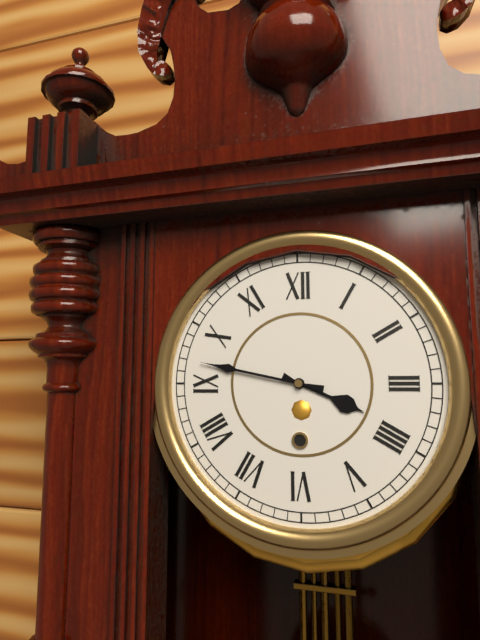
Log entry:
3 h 47 min
